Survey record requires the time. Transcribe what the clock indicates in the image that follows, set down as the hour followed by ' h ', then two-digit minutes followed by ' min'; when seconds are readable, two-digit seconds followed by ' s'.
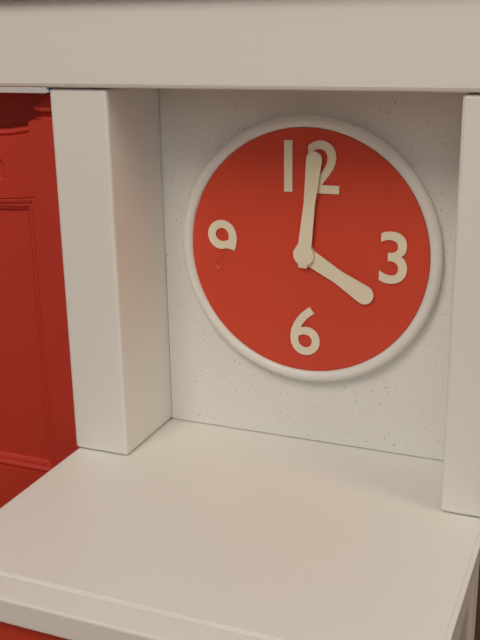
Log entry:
4 h 01 min
